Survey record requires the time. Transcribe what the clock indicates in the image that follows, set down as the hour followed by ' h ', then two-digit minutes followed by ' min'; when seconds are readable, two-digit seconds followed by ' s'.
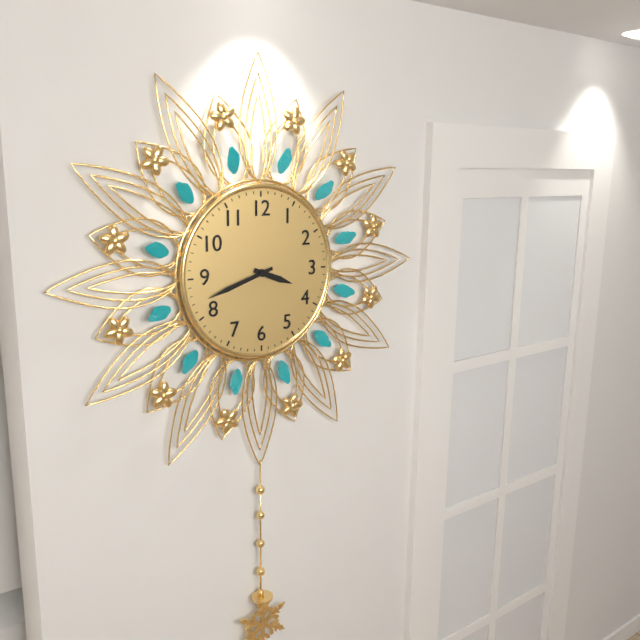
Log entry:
3 h 42 min
